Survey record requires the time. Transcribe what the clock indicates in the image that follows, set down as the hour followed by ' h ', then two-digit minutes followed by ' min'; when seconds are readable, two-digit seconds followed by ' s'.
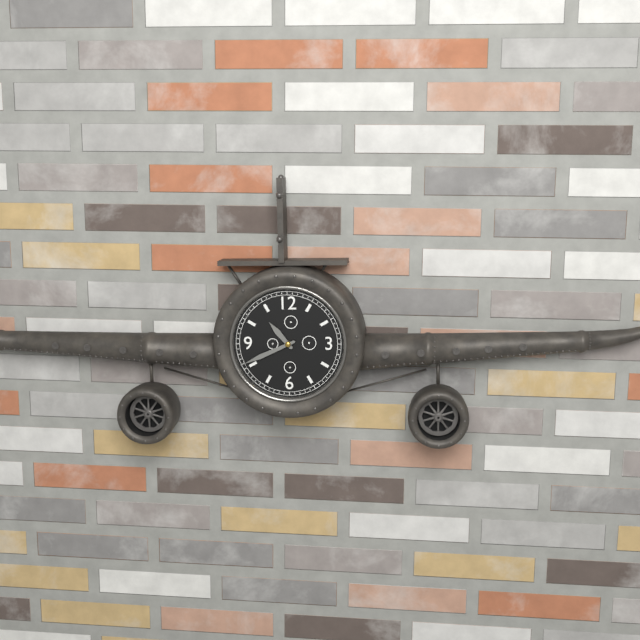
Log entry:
10 h 41 min
